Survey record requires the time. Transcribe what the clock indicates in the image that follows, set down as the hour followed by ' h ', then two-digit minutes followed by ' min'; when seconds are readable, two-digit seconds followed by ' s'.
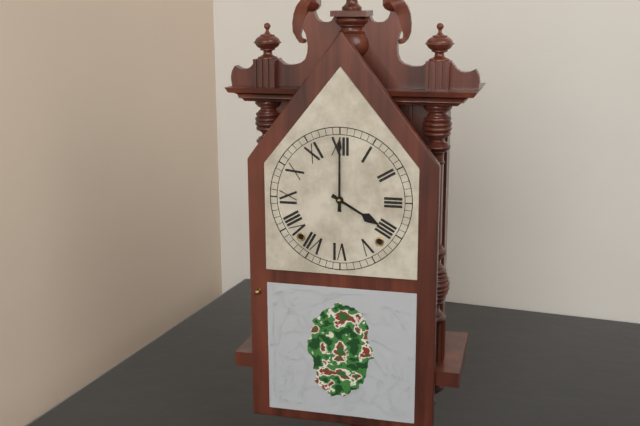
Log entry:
4 h 00 min
